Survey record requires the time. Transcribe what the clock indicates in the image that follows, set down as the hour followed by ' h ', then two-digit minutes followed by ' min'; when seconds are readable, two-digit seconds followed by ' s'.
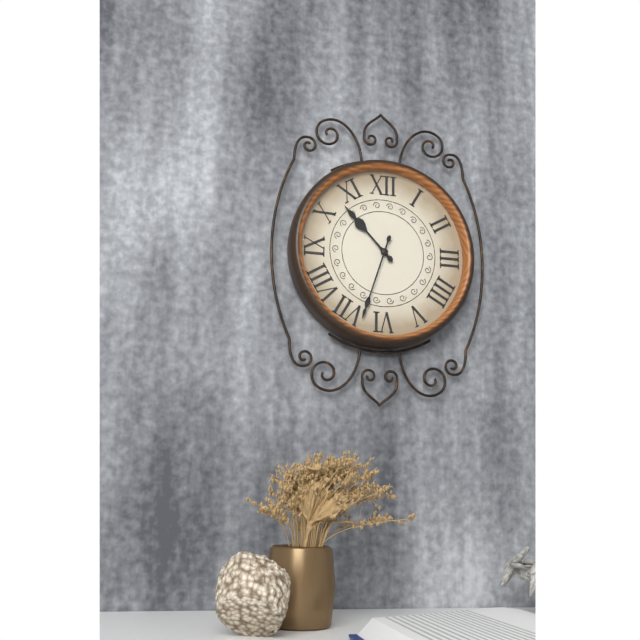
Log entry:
10 h 33 min
